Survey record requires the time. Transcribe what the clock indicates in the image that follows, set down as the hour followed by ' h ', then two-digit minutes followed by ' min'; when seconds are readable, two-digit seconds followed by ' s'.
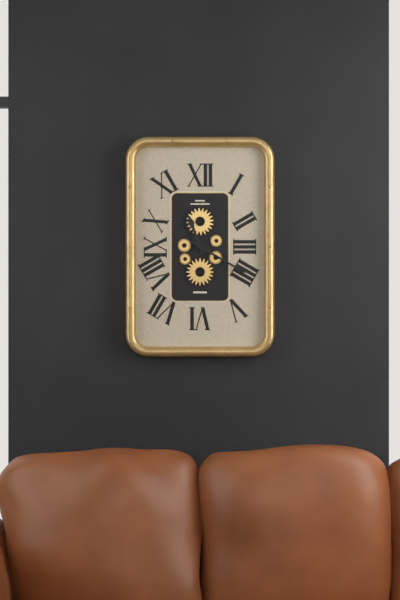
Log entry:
11 h 20 min
